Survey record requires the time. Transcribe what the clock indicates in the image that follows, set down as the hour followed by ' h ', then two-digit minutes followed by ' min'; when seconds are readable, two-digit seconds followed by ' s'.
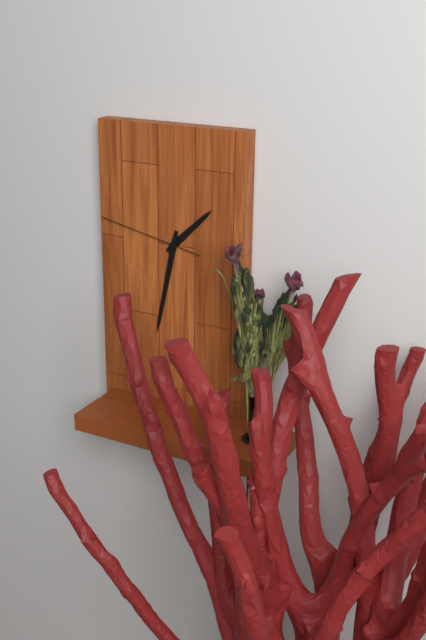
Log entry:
1 h 32 min 47 s
